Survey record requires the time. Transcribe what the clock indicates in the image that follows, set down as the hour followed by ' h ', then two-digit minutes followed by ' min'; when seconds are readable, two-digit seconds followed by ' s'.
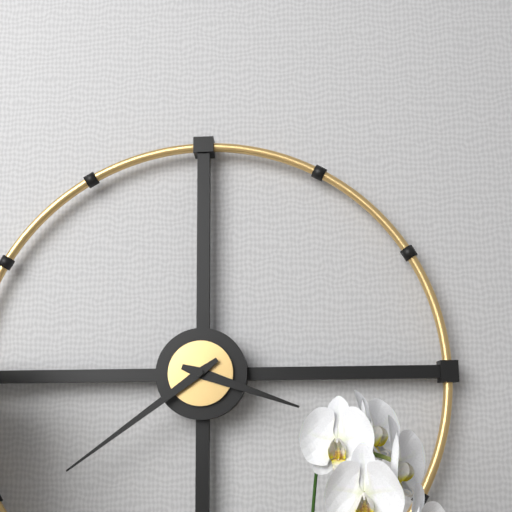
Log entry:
3 h 39 min
